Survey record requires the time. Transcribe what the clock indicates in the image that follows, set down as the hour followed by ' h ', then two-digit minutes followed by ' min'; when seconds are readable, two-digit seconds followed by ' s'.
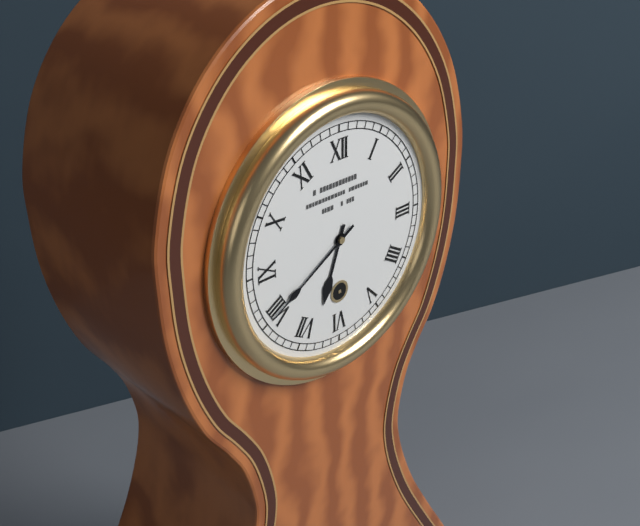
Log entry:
6 h 40 min
